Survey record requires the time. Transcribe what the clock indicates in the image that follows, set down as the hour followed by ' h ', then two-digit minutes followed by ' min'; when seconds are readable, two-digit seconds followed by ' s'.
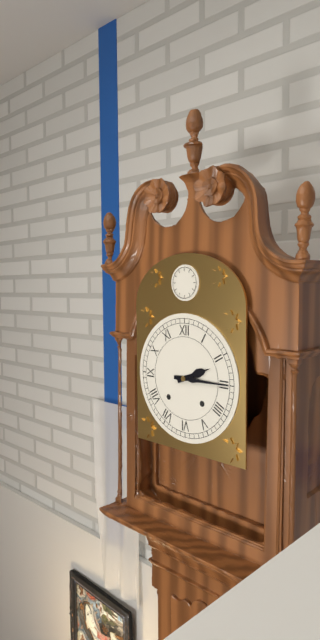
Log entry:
2 h 15 min
